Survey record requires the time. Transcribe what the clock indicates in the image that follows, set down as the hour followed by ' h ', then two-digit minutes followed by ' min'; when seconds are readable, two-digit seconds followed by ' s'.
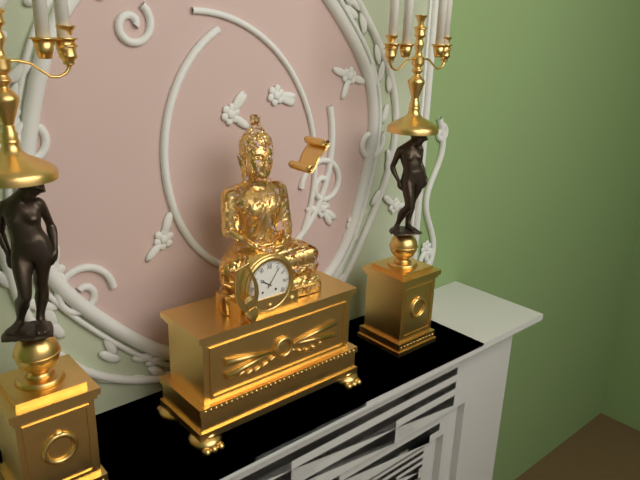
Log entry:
10 h 06 min
